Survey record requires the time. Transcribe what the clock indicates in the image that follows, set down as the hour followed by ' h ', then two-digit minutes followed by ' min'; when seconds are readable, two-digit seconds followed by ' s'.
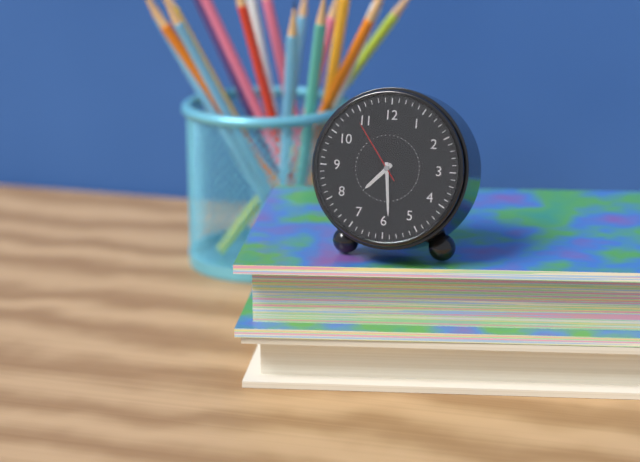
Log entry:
7 h 29 min 54 s
